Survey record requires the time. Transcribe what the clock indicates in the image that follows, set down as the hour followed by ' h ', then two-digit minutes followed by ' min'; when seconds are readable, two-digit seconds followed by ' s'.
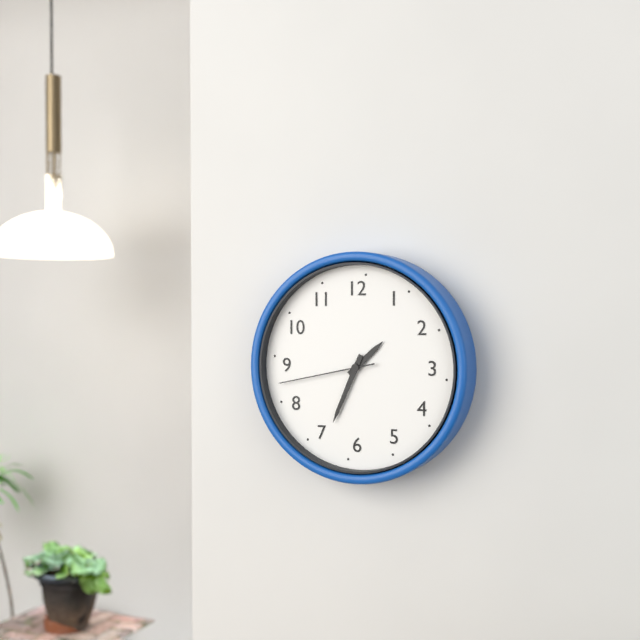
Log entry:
1 h 34 min 43 s
